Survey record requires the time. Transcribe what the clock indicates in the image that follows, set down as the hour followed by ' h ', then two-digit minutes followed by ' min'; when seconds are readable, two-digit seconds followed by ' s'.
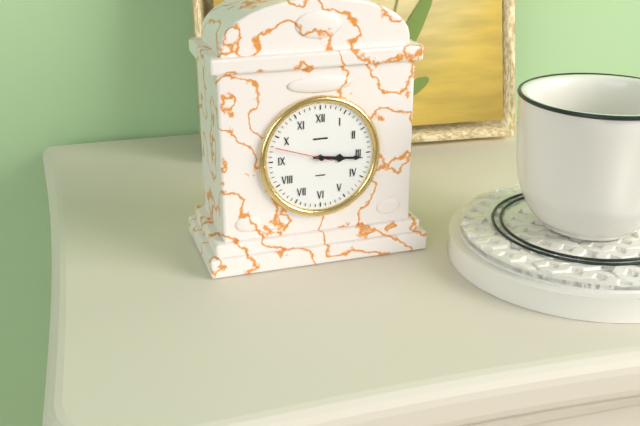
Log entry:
3 h 16 min 48 s
